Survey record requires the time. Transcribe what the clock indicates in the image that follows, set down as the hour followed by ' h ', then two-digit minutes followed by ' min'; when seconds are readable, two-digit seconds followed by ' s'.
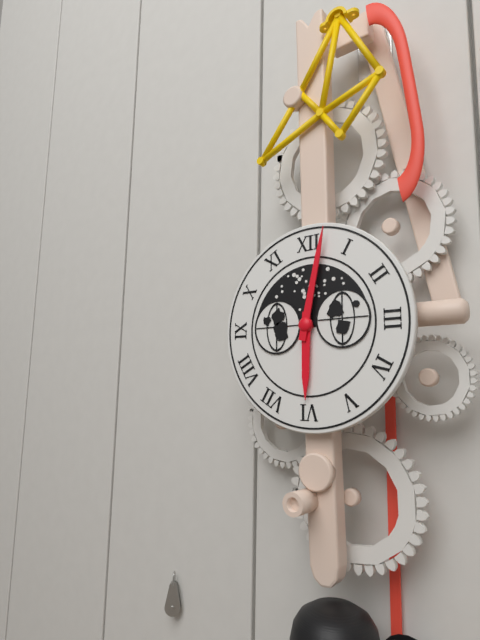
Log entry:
6 h 02 min
